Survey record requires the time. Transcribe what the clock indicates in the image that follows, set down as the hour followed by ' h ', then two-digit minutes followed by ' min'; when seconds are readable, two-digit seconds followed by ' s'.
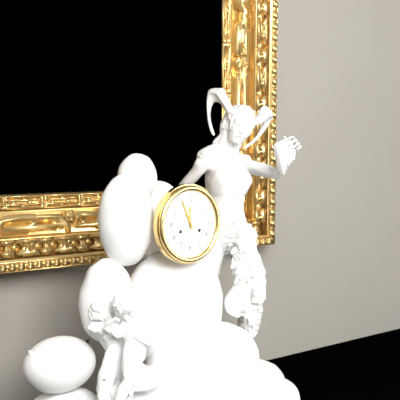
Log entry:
11 h 56 min
